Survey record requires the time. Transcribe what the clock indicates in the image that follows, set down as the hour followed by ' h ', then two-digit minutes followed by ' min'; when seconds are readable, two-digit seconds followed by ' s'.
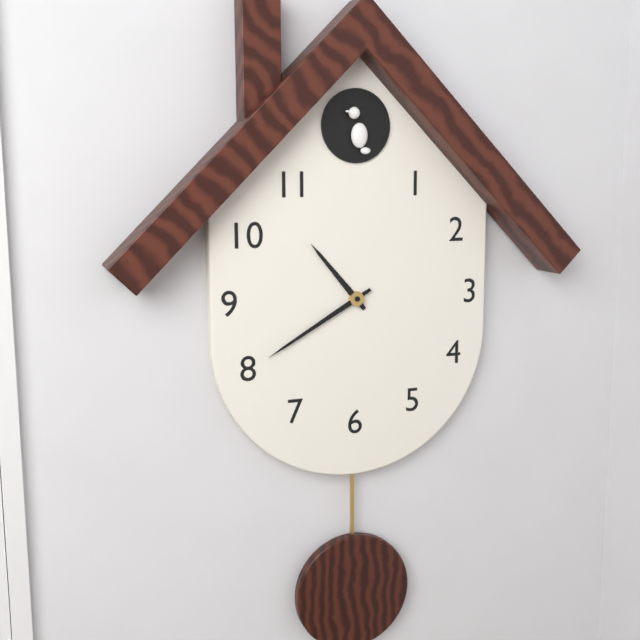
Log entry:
10 h 40 min
